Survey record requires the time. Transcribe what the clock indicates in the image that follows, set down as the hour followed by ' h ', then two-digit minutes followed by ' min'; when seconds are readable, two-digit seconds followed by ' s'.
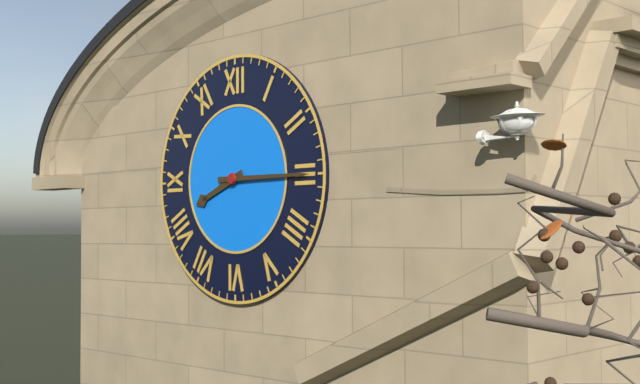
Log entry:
8 h 15 min
